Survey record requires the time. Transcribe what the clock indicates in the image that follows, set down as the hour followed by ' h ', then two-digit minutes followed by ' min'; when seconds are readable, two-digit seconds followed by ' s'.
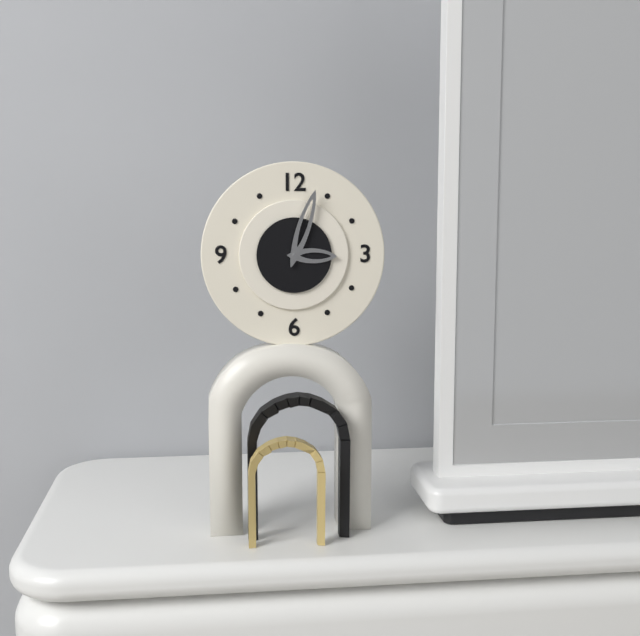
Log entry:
3 h 03 min
